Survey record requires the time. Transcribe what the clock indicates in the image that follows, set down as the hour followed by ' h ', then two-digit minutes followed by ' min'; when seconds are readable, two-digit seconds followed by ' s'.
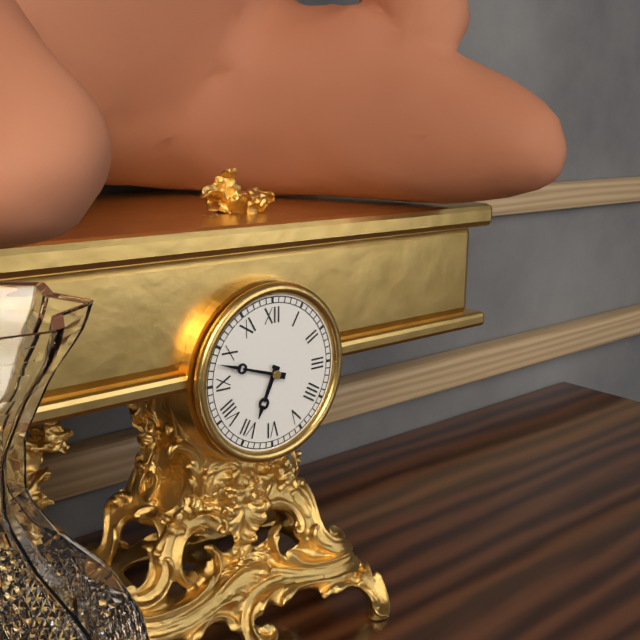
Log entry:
6 h 48 min
